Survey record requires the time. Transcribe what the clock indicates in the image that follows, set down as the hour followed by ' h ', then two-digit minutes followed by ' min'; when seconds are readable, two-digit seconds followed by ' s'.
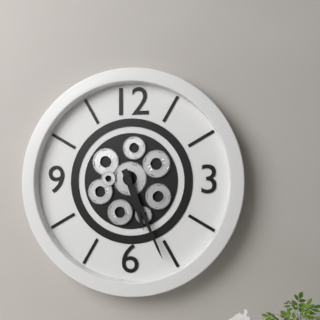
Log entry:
5 h 26 min
